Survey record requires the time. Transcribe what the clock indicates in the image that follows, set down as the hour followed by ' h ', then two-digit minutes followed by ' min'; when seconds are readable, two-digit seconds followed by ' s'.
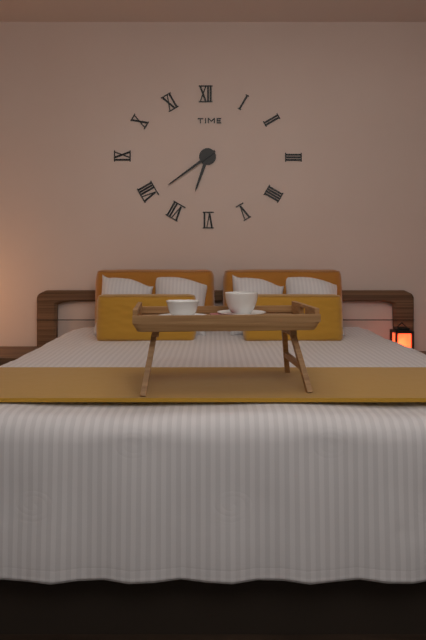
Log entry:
6 h 39 min
